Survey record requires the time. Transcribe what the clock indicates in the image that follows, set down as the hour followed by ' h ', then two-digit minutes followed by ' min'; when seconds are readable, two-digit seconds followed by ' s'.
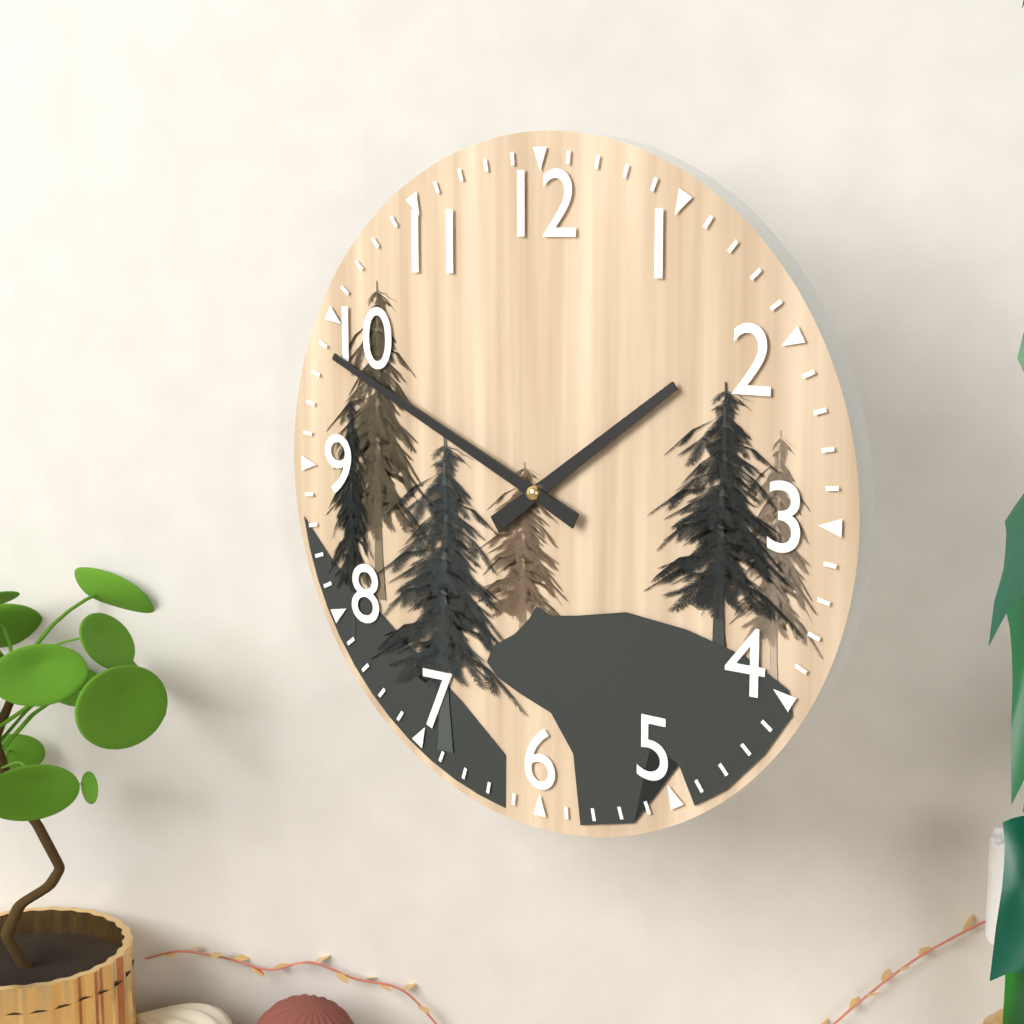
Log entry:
1 h 49 min
